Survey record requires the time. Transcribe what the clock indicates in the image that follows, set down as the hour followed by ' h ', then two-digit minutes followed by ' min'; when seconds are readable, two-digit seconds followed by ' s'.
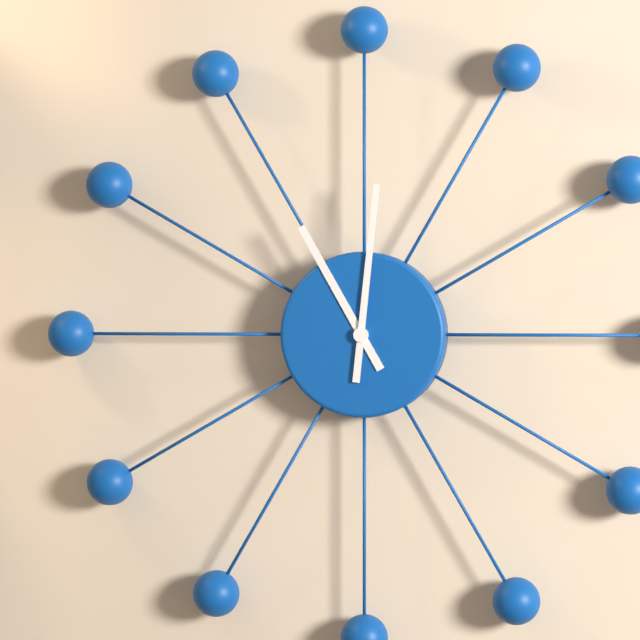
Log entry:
11 h 01 min
